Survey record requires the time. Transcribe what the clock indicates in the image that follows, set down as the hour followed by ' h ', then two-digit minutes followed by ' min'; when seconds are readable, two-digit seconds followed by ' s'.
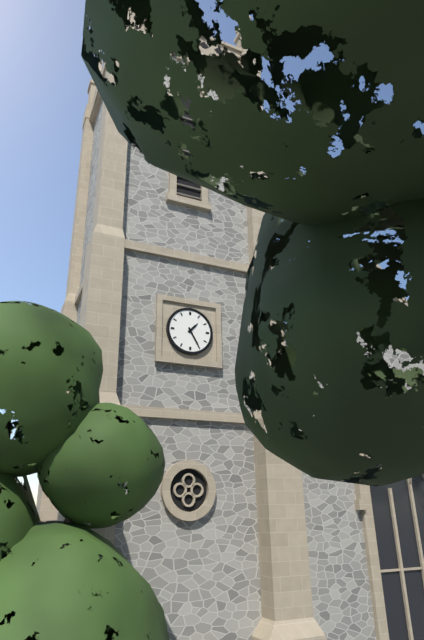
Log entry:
1 h 25 min
